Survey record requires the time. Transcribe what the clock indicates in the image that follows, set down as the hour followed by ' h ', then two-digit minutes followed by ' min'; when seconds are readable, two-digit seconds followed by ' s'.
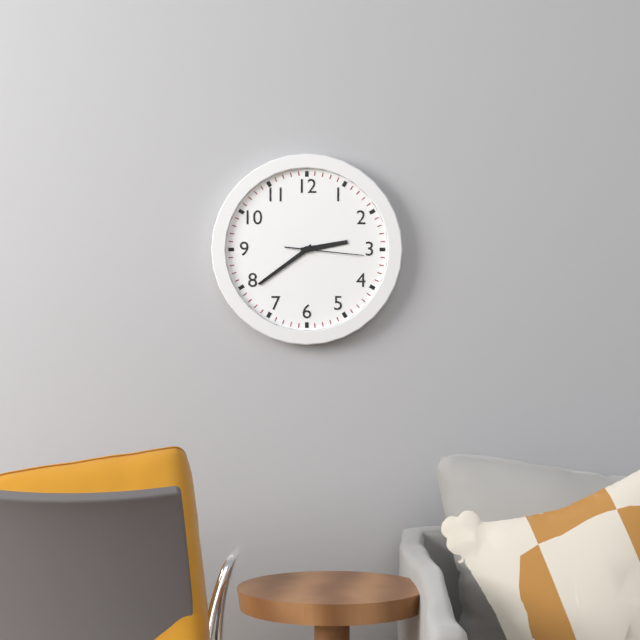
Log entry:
2 h 39 min 16 s
